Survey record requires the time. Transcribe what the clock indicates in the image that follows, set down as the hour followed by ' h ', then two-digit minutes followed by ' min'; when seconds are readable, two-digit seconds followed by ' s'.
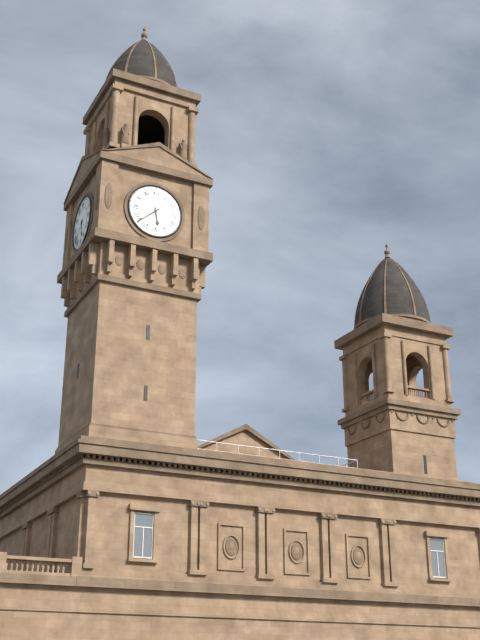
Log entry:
5 h 38 min
